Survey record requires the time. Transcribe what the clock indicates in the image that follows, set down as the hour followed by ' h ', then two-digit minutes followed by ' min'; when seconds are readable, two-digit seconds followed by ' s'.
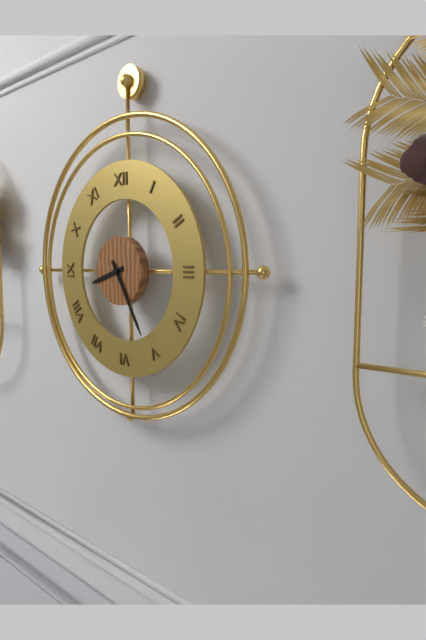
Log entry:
8 h 25 min
